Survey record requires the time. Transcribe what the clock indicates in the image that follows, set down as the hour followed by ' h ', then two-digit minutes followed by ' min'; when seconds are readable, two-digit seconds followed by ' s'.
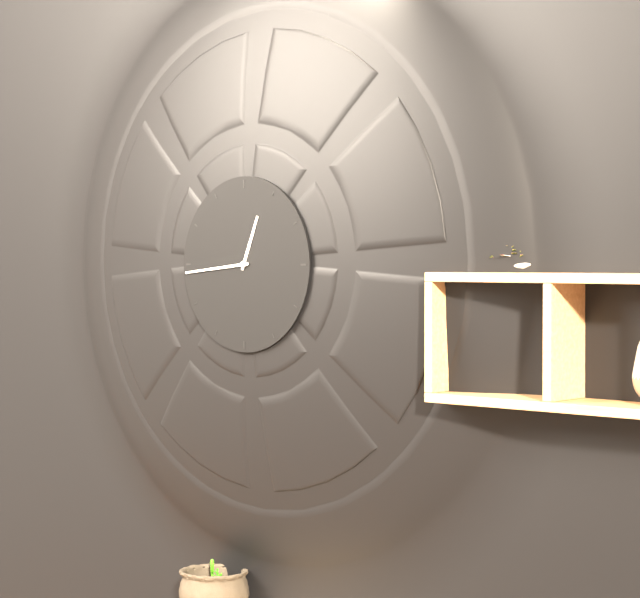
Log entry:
12 h 44 min
